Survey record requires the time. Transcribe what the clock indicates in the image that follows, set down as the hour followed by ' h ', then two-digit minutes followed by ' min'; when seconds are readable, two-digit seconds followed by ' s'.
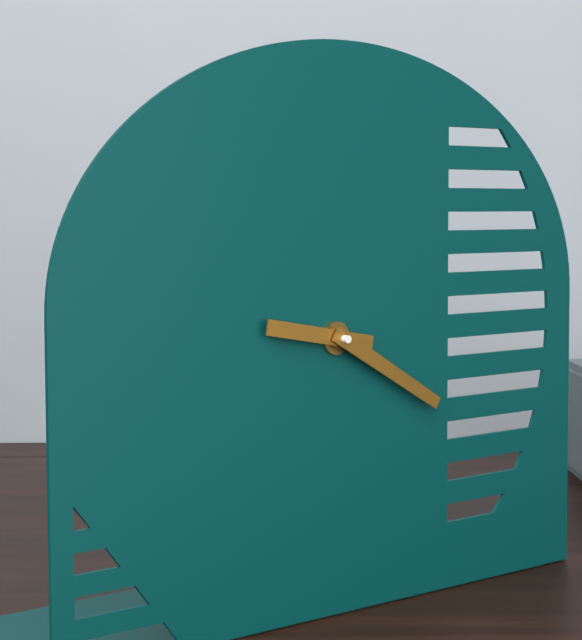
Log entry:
9 h 20 min
